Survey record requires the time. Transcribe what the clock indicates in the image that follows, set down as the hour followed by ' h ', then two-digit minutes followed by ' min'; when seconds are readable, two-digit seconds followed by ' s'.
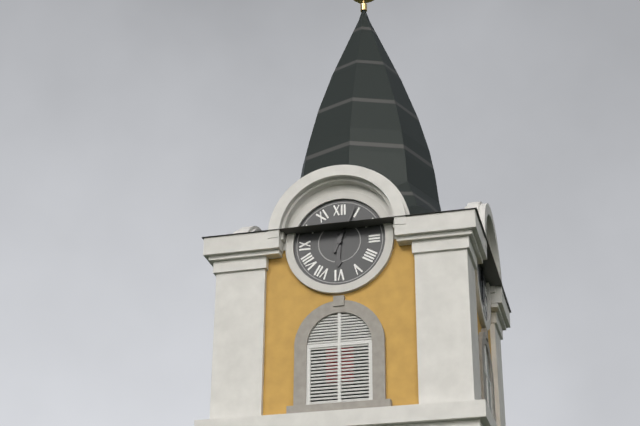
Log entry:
6 h 04 min
